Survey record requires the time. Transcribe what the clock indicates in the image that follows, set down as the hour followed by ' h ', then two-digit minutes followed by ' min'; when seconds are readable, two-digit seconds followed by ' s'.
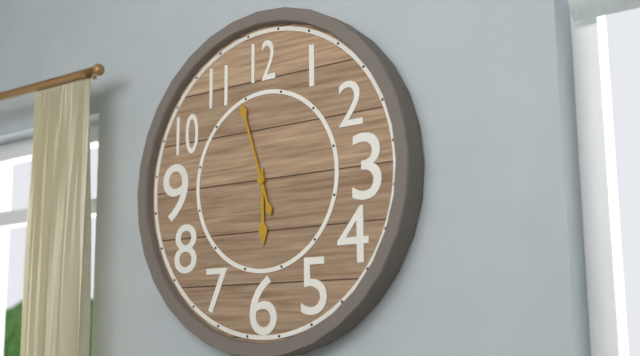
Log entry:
5 h 57 min
